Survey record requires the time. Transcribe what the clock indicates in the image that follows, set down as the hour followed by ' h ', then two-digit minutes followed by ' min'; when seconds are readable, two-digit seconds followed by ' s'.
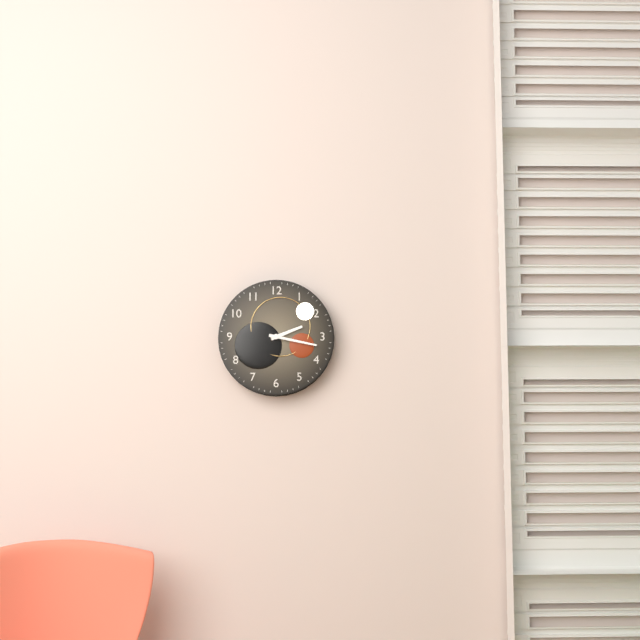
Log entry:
2 h 17 min
